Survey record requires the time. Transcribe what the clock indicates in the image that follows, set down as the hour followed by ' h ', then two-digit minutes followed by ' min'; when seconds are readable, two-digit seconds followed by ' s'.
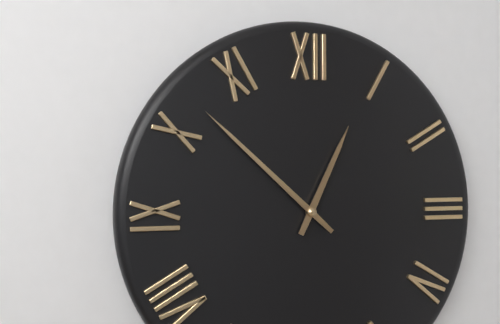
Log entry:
12 h 52 min
